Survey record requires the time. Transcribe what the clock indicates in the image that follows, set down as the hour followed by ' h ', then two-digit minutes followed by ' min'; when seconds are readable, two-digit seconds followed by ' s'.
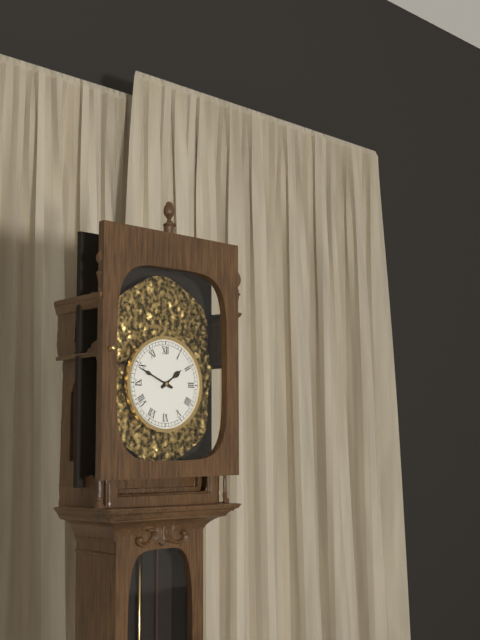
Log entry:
1 h 49 min
